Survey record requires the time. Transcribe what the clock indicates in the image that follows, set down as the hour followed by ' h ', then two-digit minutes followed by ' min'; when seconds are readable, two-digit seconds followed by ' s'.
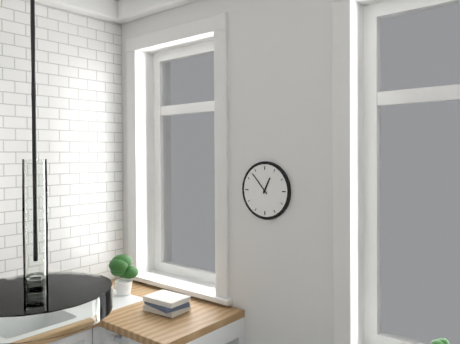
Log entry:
12 h 53 min
